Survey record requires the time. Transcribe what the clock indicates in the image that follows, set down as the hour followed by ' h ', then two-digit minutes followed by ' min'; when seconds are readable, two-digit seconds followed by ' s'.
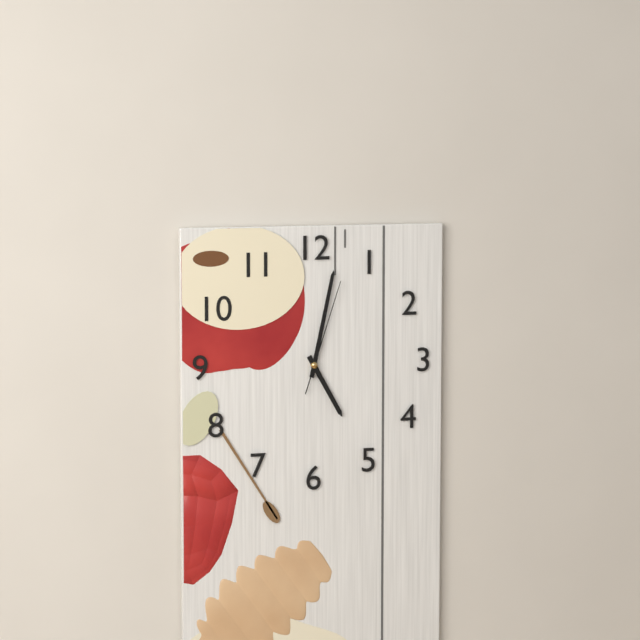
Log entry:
5 h 02 min 03 s
